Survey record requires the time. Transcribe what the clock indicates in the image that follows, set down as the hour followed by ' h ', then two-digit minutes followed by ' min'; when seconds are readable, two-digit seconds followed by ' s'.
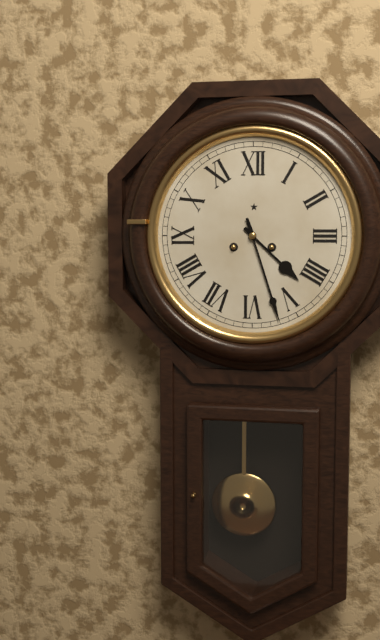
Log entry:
4 h 27 min
